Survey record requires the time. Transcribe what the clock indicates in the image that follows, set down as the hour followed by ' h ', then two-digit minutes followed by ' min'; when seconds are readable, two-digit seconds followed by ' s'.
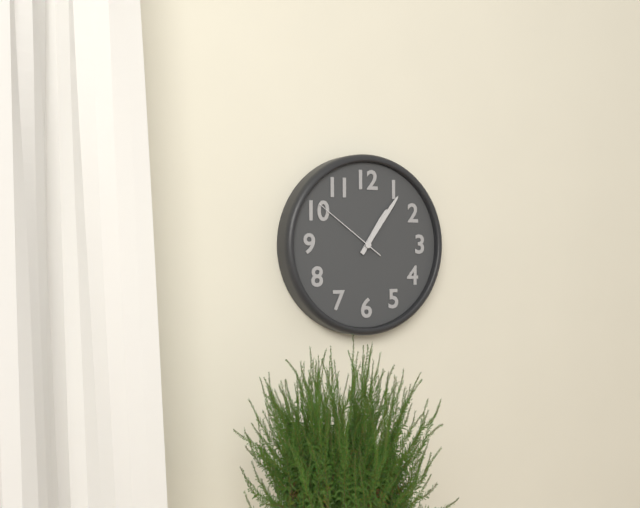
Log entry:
1 h 06 min 51 s
